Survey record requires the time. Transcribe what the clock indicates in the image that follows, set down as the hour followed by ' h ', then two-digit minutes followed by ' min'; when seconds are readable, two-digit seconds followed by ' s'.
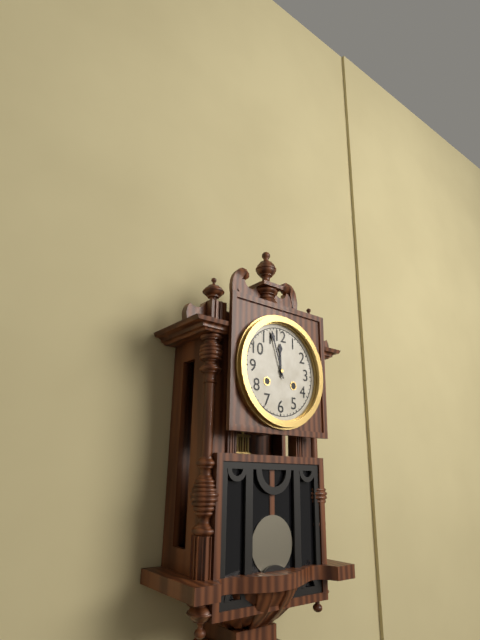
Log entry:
11 h 57 min
